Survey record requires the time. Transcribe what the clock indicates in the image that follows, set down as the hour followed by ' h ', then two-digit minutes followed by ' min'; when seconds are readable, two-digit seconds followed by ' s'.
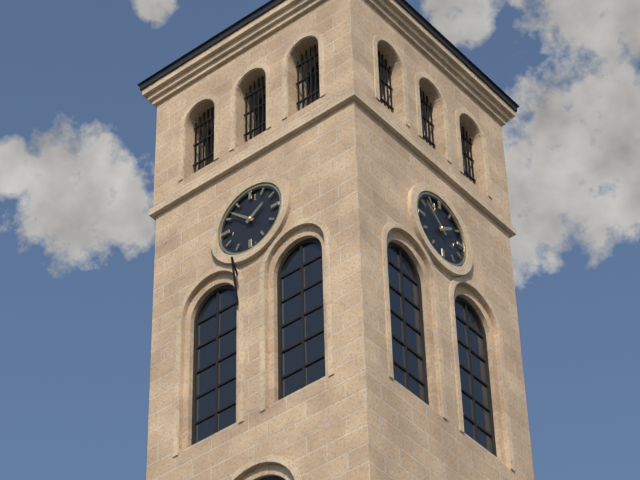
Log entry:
1 h 52 min
